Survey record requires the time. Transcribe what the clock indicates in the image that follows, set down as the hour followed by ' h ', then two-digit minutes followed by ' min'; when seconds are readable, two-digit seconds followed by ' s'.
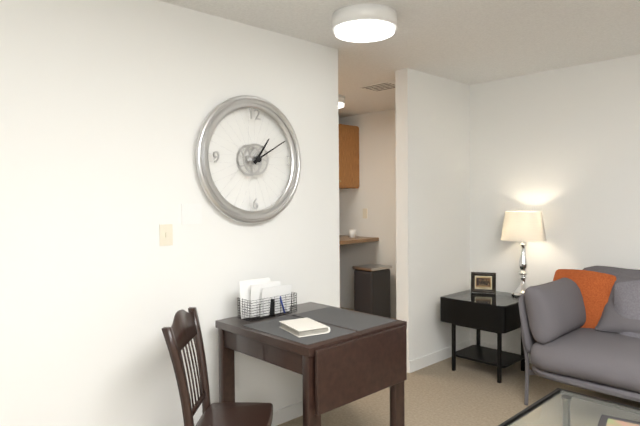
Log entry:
1 h 10 min
